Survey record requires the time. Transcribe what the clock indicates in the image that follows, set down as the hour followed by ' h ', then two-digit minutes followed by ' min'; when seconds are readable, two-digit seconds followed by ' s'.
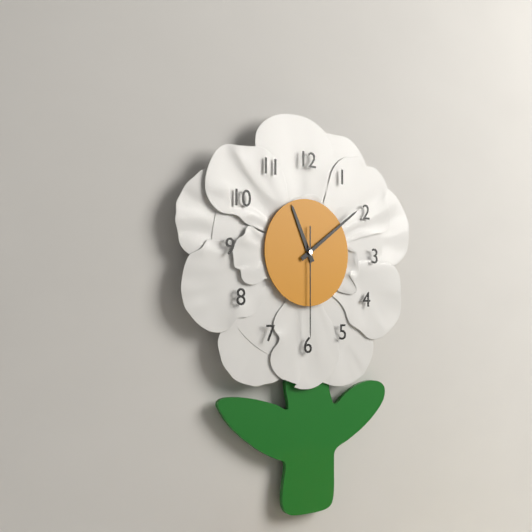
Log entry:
11 h 09 min 30 s
